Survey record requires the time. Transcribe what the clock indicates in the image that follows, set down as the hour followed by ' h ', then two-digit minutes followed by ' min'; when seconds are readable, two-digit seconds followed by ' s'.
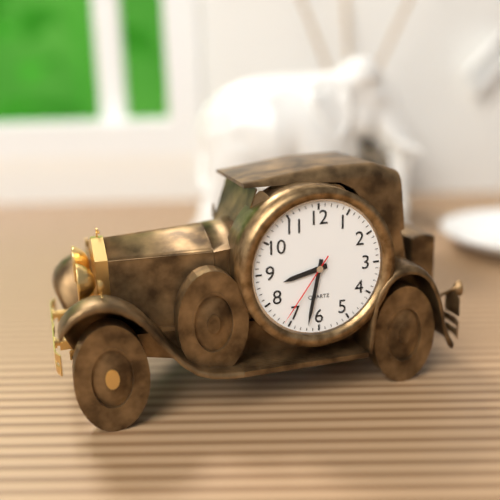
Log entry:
8 h 32 min 36 s
